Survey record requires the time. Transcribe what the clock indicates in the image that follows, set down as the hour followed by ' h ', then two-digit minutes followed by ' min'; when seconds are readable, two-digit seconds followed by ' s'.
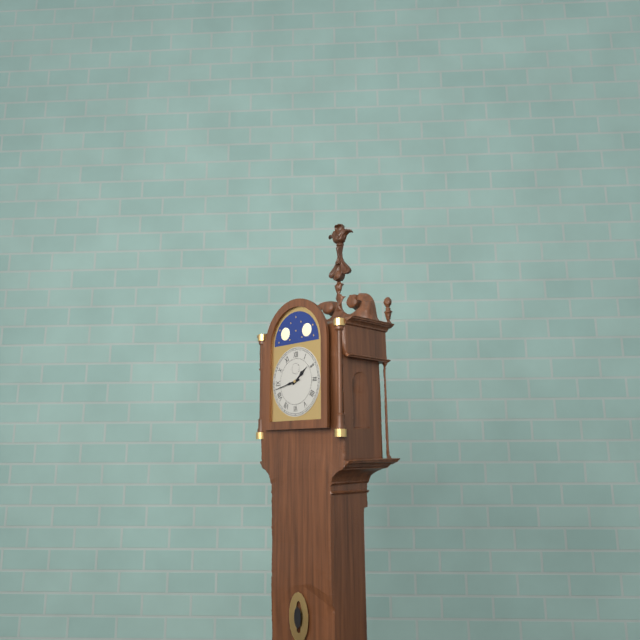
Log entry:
1 h 43 min
